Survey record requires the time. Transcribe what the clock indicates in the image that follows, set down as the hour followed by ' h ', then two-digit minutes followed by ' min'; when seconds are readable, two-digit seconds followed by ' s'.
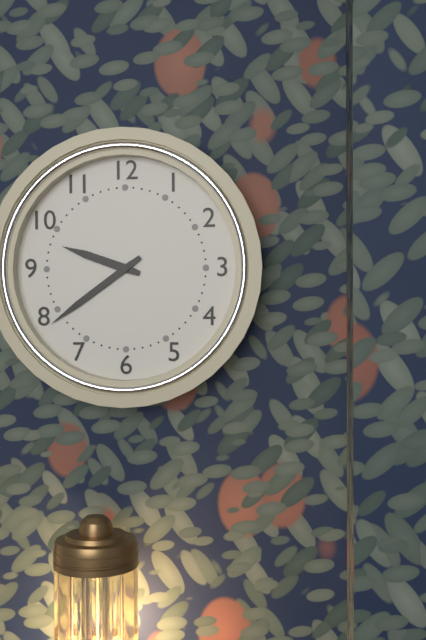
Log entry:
9 h 39 min
